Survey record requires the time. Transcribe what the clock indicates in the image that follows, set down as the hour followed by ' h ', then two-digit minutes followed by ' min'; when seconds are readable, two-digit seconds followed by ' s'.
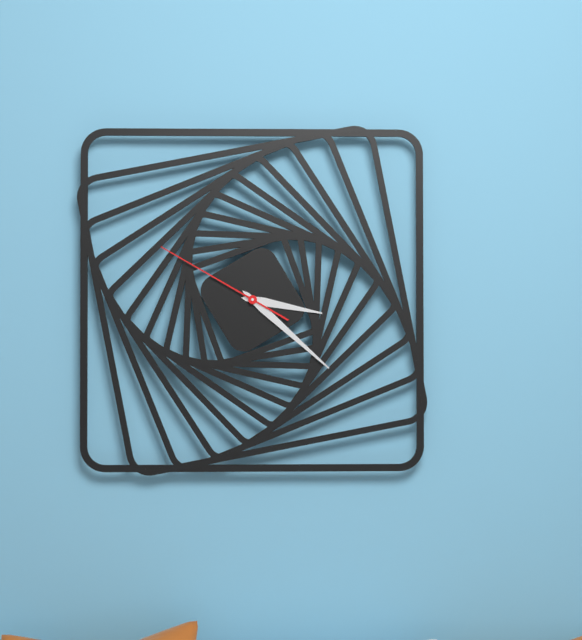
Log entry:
3 h 22 min 50 s
